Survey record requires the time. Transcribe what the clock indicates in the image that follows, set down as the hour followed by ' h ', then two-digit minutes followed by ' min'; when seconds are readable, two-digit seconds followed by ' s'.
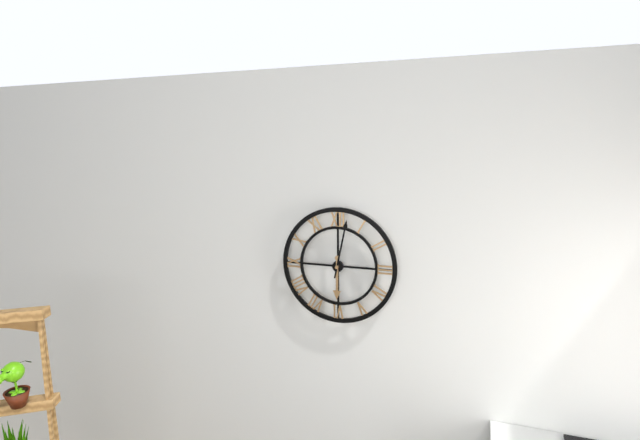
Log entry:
6 h 02 min
